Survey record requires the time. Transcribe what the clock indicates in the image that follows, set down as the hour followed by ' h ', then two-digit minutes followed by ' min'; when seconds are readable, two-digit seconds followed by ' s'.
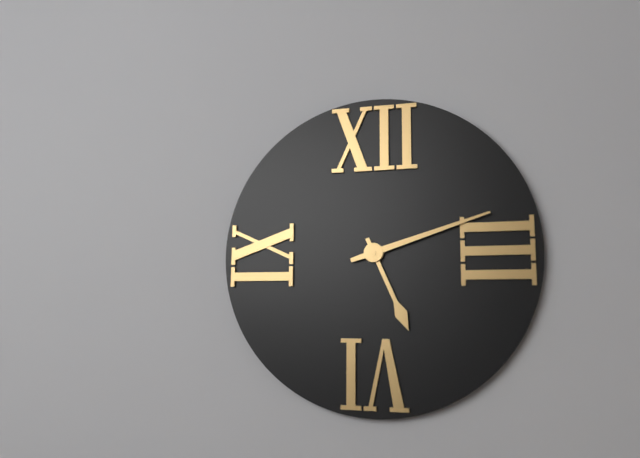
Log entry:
5 h 12 min
